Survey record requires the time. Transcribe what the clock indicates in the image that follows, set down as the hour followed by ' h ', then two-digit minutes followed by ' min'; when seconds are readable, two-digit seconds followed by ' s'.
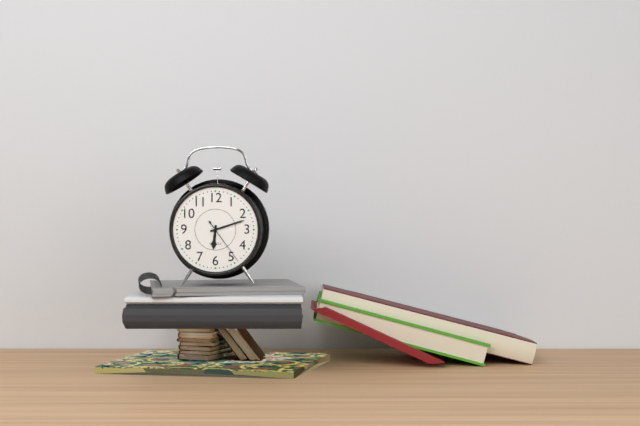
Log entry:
6 h 12 min
